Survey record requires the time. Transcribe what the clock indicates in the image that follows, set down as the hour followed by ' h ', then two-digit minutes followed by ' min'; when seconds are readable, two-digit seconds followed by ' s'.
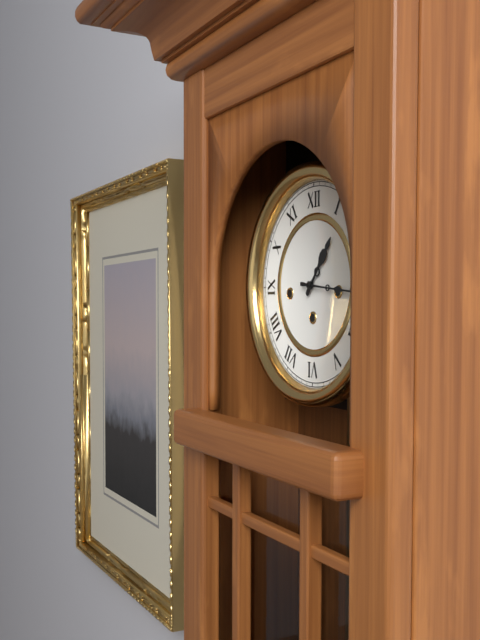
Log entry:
1 h 16 min
